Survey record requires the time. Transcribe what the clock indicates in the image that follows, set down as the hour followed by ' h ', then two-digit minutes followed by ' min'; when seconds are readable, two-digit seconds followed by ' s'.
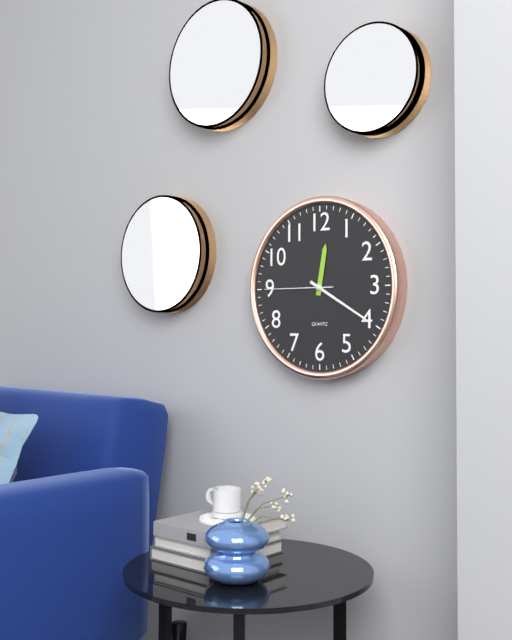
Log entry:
12 h 20 min 45 s
